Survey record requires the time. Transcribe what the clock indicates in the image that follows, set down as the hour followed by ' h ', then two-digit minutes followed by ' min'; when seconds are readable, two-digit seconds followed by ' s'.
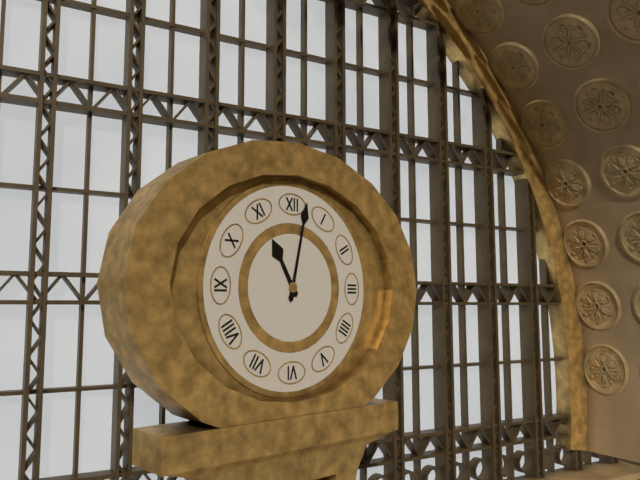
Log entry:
11 h 02 min
